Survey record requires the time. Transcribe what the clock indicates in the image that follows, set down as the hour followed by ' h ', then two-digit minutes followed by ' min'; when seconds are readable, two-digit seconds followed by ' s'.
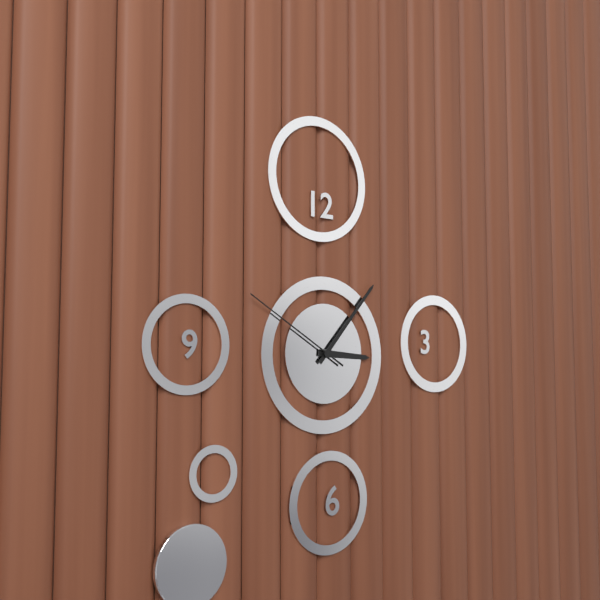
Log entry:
3 h 07 min 50 s
